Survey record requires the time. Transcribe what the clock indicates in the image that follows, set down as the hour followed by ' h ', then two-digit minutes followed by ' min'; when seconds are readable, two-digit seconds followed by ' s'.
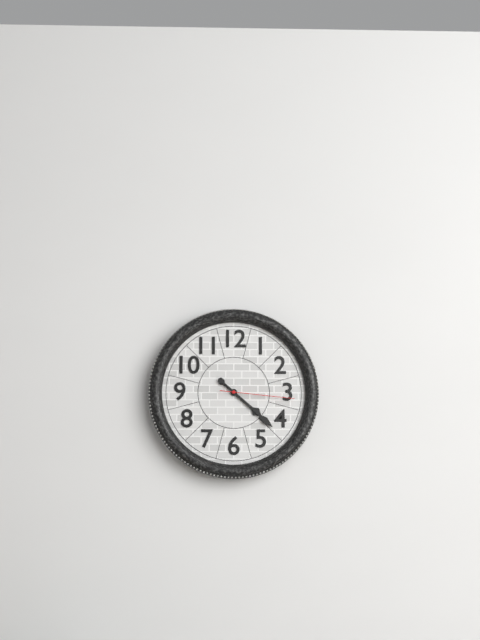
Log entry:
4 h 22 min 16 s
